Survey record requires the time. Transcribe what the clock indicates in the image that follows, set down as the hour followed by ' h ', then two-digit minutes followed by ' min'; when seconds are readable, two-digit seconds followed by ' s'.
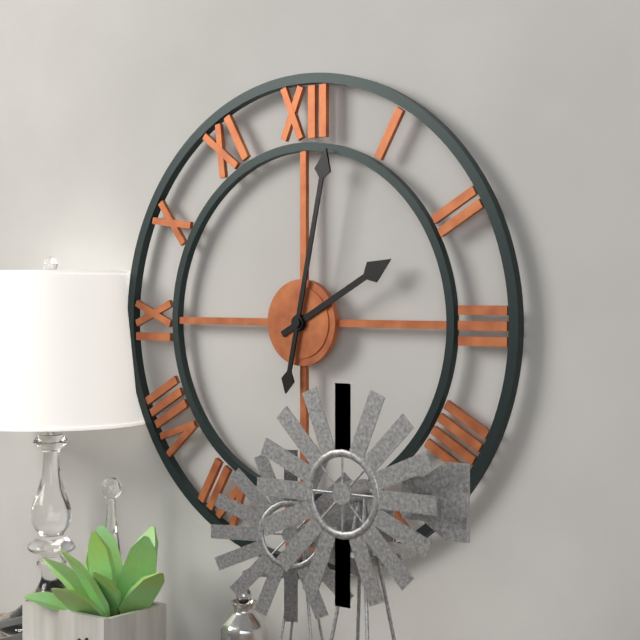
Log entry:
2 h 02 min
